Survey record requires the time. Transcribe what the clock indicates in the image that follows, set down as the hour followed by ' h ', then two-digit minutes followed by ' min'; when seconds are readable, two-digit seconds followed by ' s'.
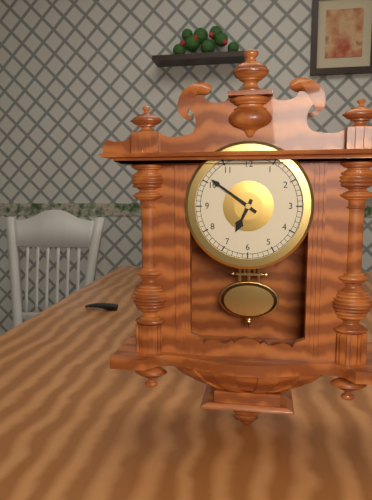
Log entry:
6 h 51 min
